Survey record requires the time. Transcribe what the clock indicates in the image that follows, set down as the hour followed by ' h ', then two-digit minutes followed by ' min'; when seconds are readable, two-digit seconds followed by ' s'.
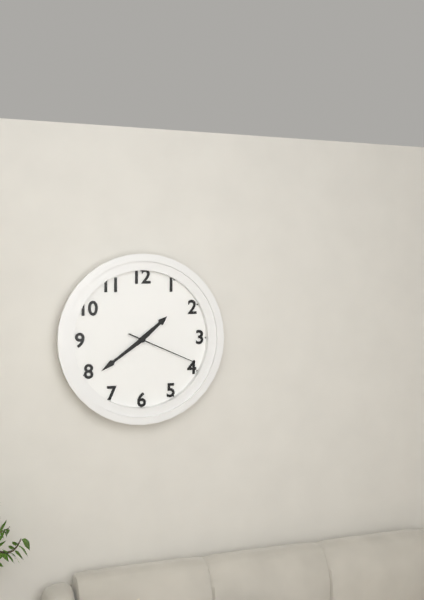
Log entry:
1 h 39 min 19 s
